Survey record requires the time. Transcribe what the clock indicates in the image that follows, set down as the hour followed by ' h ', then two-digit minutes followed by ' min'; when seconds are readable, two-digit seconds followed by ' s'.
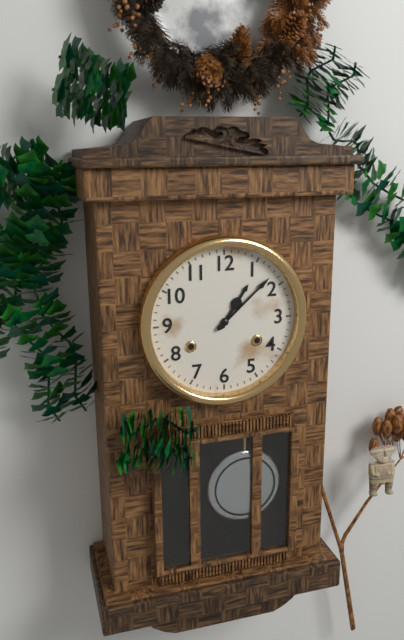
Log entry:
1 h 08 min
